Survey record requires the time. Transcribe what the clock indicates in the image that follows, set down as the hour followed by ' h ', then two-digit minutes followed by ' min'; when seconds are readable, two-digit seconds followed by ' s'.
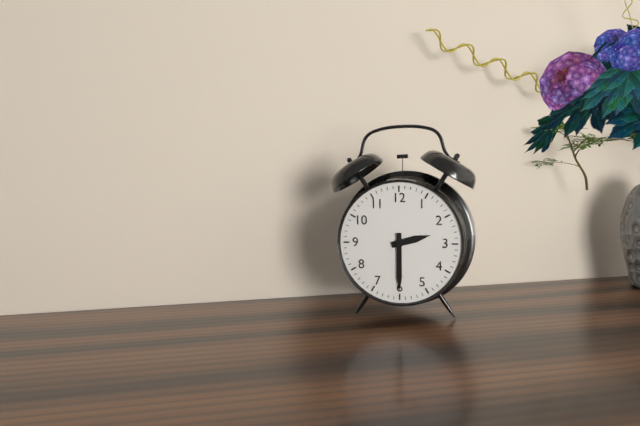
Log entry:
2 h 30 min
